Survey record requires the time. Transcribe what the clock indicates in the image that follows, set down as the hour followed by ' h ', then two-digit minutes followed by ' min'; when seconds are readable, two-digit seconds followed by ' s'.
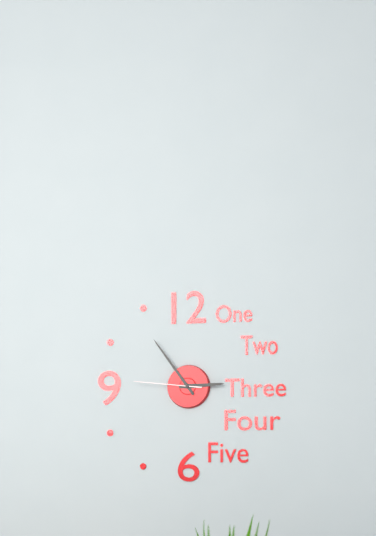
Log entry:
2 h 54 min 46 s
